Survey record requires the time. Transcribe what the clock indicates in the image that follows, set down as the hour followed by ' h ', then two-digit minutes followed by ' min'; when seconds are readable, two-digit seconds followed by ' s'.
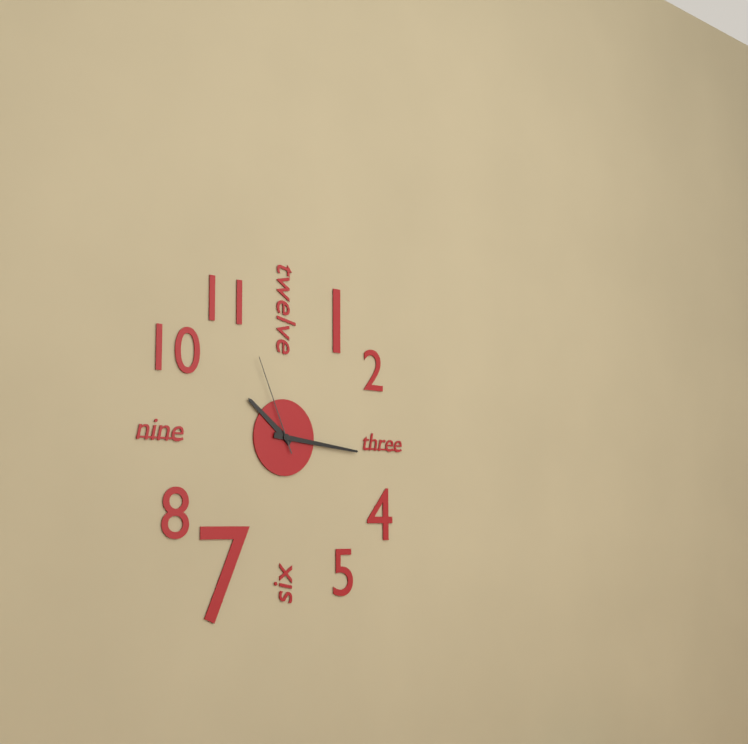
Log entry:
10 h 16 min 56 s
